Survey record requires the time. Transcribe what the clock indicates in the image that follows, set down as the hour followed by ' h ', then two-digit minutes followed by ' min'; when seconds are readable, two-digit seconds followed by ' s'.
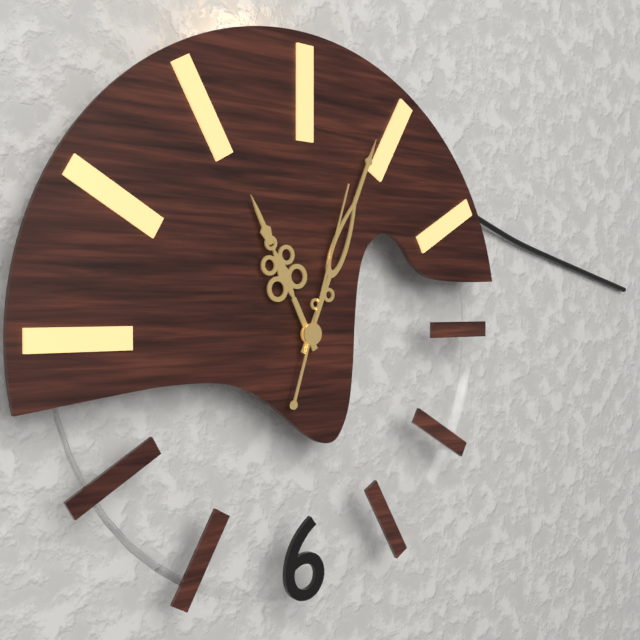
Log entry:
11 h 04 min 03 s
